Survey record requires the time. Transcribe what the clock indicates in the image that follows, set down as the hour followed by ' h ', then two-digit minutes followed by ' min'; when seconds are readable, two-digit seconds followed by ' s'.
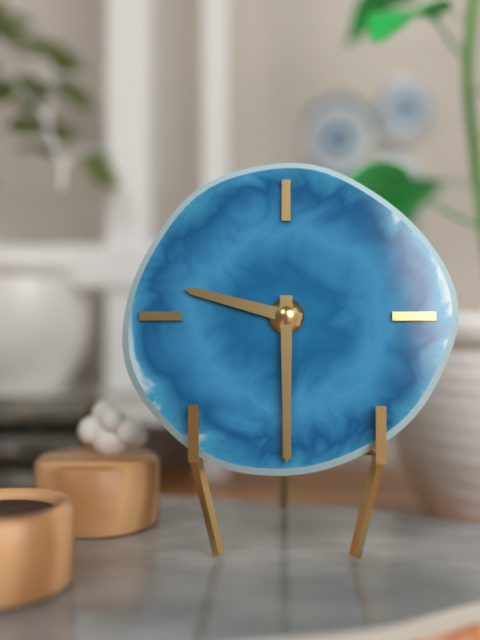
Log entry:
9 h 30 min
